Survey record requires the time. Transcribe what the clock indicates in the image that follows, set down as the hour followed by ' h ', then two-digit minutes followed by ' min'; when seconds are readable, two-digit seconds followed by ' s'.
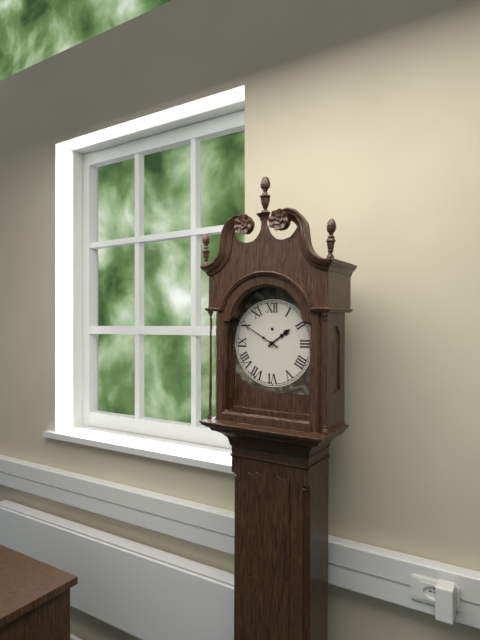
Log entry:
1 h 50 min
